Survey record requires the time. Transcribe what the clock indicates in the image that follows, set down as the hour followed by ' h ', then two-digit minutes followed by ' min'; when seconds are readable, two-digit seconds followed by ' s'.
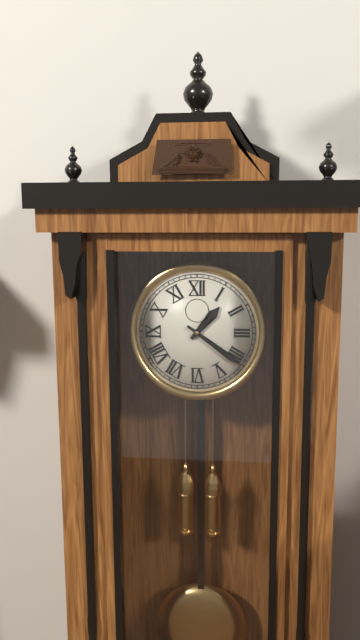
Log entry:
1 h 21 min
